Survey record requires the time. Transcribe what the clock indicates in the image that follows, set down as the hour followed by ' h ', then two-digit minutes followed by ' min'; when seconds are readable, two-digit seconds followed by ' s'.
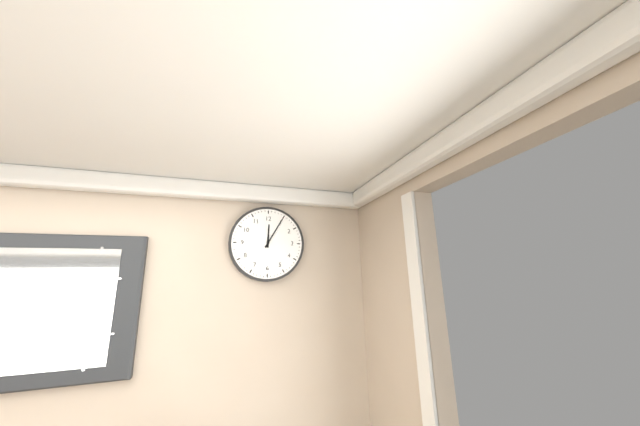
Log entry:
12 h 05 min
